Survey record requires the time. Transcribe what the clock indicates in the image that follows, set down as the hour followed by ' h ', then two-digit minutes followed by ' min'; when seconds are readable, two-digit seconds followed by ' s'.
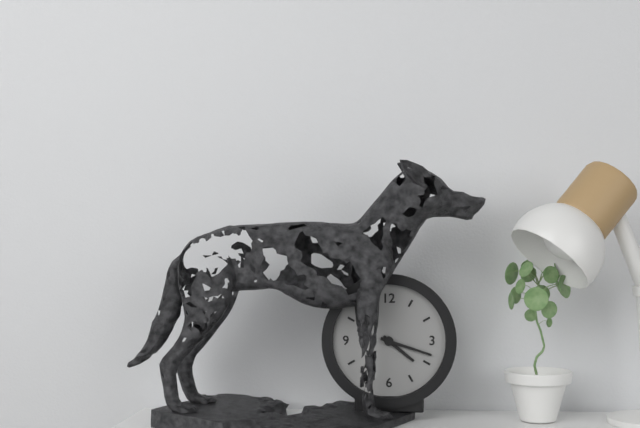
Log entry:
4 h 18 min
